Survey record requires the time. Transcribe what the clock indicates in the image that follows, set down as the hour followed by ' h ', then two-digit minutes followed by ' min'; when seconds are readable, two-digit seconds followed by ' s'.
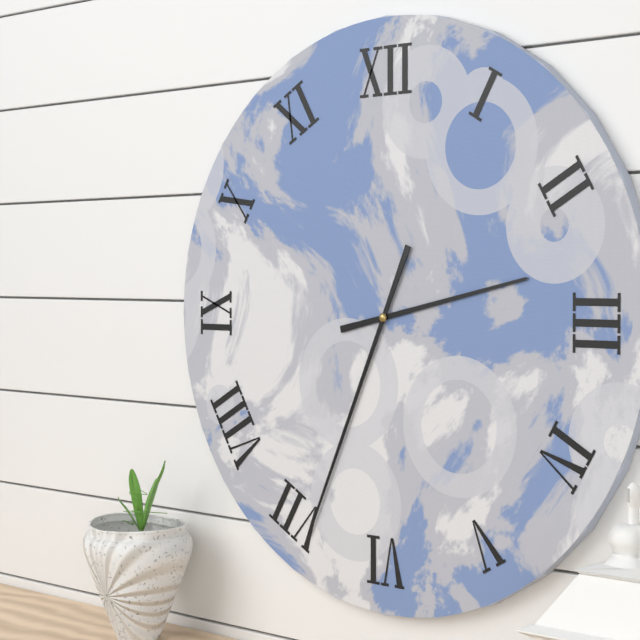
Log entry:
2 h 34 min
